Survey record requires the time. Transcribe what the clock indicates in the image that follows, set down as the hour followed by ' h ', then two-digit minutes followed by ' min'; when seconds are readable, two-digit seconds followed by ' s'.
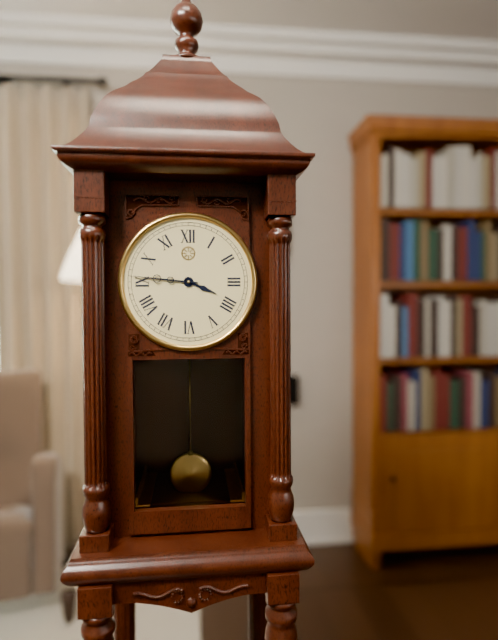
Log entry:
3 h 46 min
